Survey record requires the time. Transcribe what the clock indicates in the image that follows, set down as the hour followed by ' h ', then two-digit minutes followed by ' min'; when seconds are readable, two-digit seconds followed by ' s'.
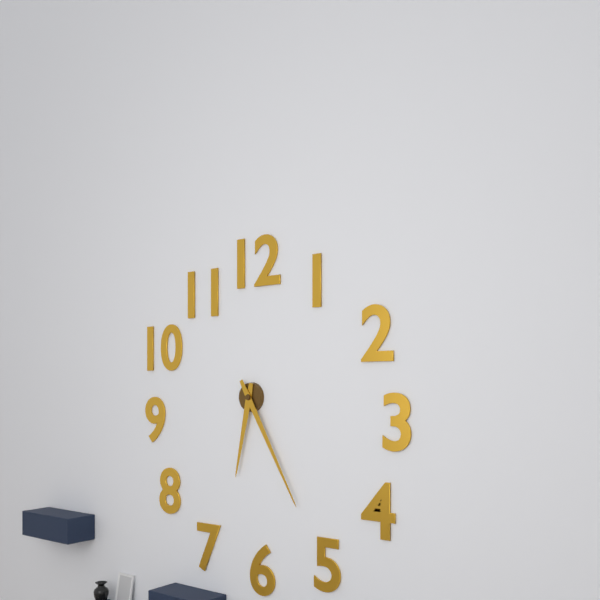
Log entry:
6 h 25 min
